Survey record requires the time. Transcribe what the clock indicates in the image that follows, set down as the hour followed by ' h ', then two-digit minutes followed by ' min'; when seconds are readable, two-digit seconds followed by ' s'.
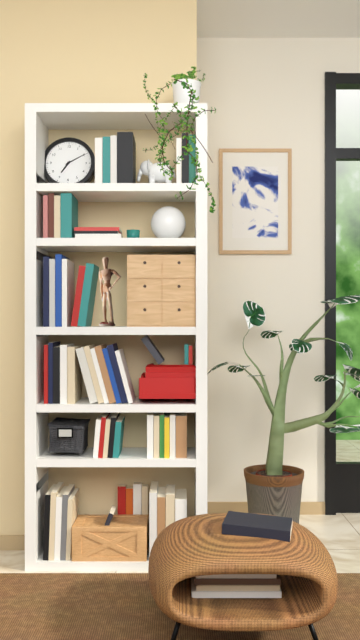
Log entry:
7 h 10 min
